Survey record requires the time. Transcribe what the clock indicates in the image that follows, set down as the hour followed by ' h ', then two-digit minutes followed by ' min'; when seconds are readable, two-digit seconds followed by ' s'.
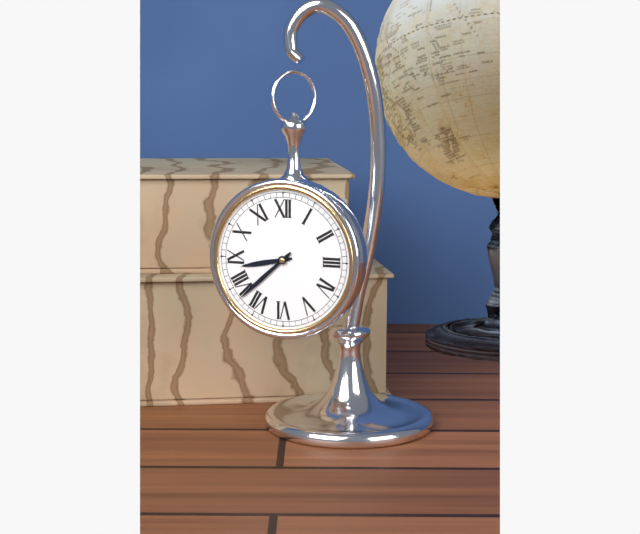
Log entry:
8 h 38 min
